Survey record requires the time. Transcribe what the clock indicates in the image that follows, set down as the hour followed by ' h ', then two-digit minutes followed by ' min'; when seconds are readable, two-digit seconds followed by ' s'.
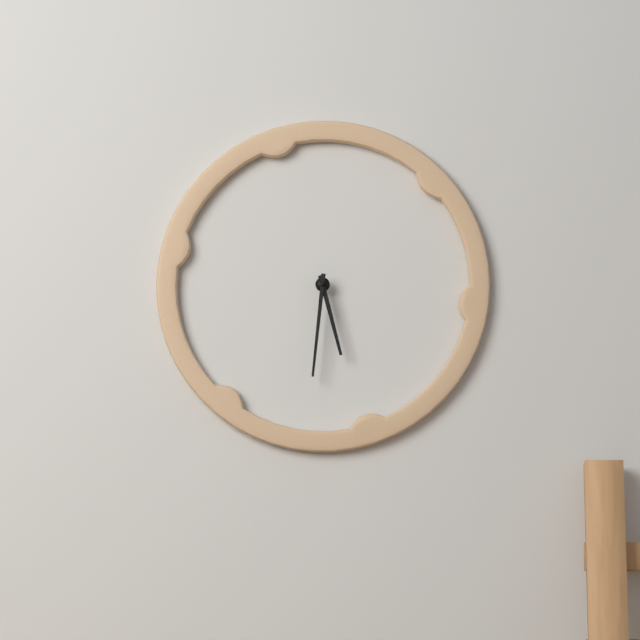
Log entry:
5 h 31 min
